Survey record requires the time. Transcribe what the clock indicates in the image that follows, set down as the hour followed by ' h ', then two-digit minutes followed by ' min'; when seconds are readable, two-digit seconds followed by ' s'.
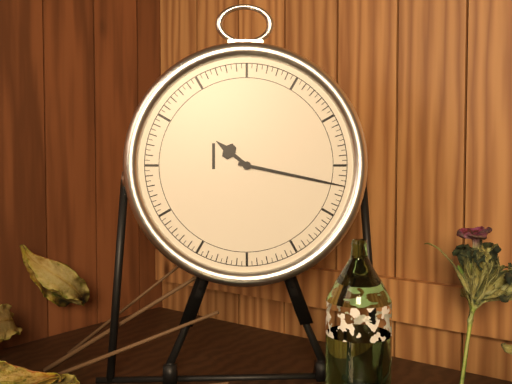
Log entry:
10 h 17 min
